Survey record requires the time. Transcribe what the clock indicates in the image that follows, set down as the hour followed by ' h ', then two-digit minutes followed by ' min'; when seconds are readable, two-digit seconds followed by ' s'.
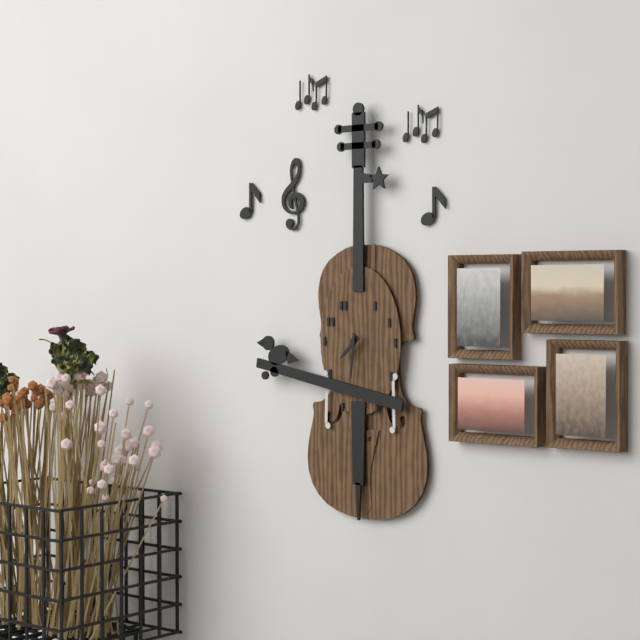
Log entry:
7 h 31 min
